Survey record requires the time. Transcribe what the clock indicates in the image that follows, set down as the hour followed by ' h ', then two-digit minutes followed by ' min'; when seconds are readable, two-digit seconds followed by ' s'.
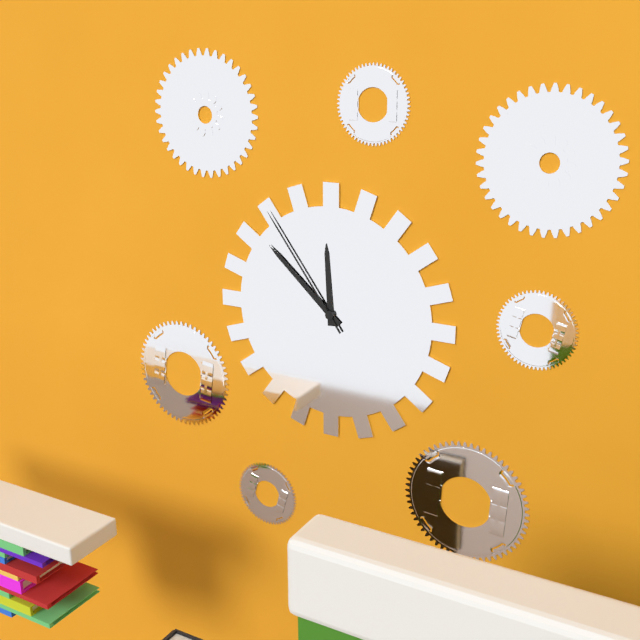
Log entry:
11 h 52 min 54 s
